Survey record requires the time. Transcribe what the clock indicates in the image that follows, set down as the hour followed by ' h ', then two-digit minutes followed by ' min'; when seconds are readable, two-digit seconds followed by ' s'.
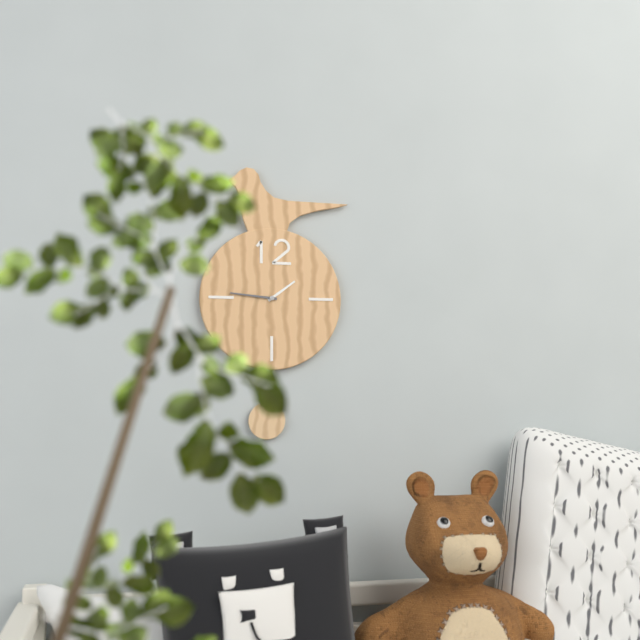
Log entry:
1 h 46 min
